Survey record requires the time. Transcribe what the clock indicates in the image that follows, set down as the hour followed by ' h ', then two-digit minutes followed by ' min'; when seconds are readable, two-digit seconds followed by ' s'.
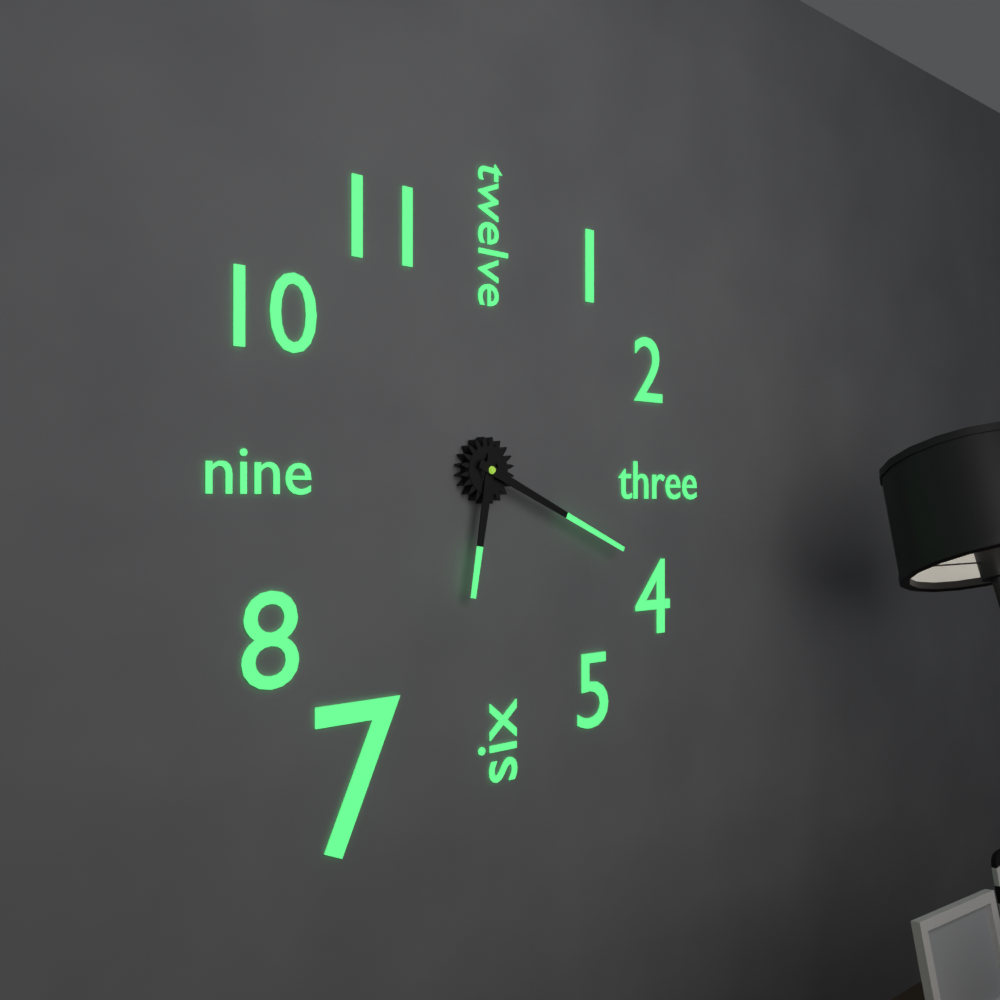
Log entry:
6 h 19 min
